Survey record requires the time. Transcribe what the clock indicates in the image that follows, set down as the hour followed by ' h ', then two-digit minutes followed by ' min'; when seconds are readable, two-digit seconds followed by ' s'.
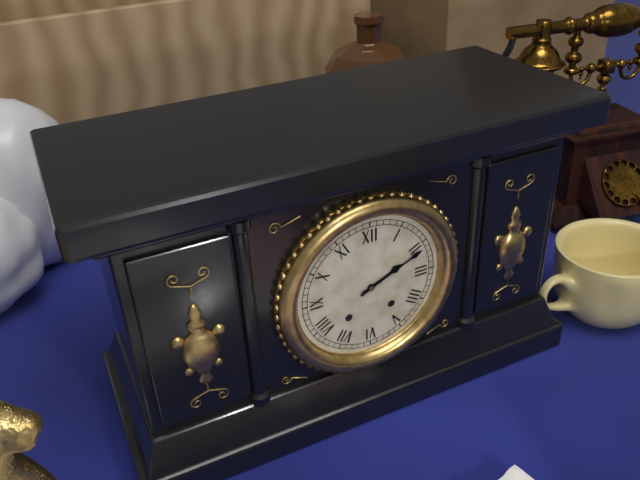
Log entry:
2 h 11 min
